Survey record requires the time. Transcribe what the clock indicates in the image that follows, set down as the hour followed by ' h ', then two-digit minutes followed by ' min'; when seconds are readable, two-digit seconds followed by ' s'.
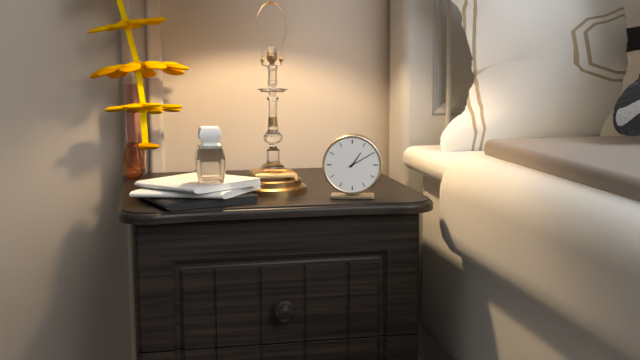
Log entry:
1 h 10 min
